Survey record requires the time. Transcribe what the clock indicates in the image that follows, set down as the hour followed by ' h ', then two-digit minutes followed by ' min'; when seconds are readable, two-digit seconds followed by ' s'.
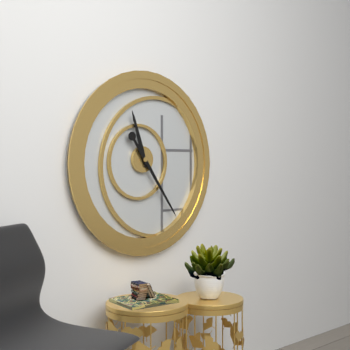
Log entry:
11 h 24 min
